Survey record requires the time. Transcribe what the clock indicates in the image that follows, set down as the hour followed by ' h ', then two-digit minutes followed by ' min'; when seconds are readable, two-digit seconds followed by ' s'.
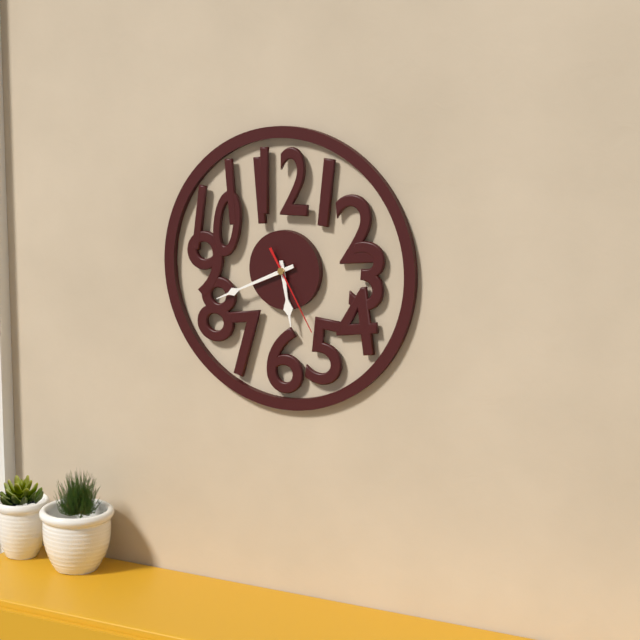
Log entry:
5 h 41 min 25 s
